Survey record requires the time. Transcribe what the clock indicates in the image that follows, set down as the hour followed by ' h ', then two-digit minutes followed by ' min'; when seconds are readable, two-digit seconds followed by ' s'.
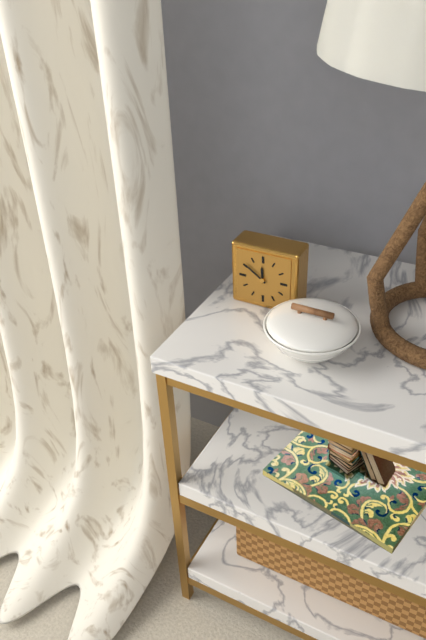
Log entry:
11 h 51 min
